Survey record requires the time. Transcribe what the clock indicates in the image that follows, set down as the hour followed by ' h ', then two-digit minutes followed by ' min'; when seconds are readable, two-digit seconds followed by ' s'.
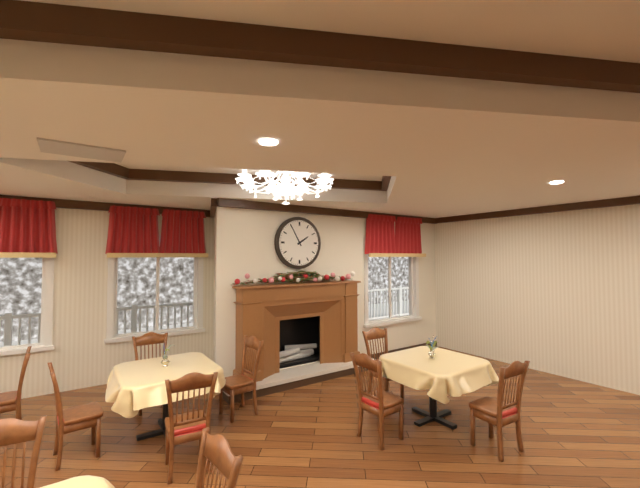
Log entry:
1 h 55 min
